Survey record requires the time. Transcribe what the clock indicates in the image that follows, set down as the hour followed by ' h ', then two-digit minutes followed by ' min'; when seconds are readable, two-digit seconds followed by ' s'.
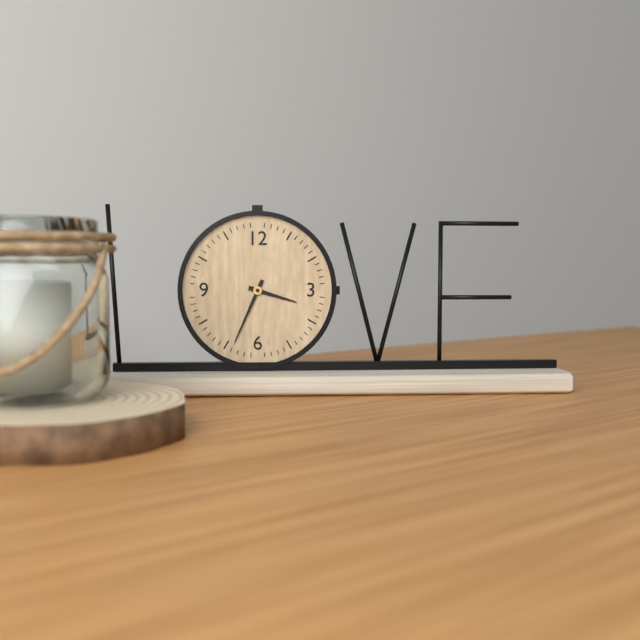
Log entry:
3 h 34 min
